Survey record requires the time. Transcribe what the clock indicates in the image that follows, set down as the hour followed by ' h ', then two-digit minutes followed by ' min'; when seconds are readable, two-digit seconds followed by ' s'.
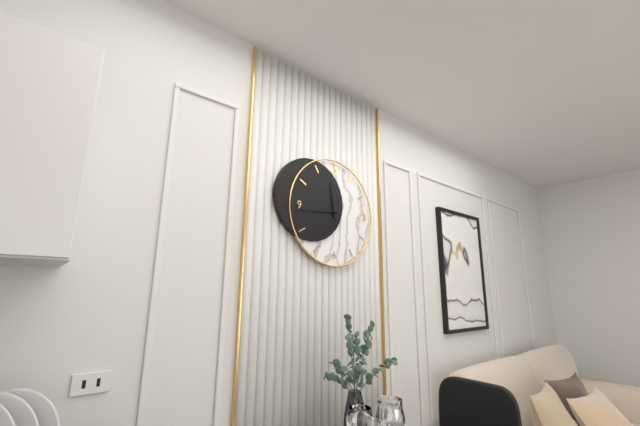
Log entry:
11 h 44 min
